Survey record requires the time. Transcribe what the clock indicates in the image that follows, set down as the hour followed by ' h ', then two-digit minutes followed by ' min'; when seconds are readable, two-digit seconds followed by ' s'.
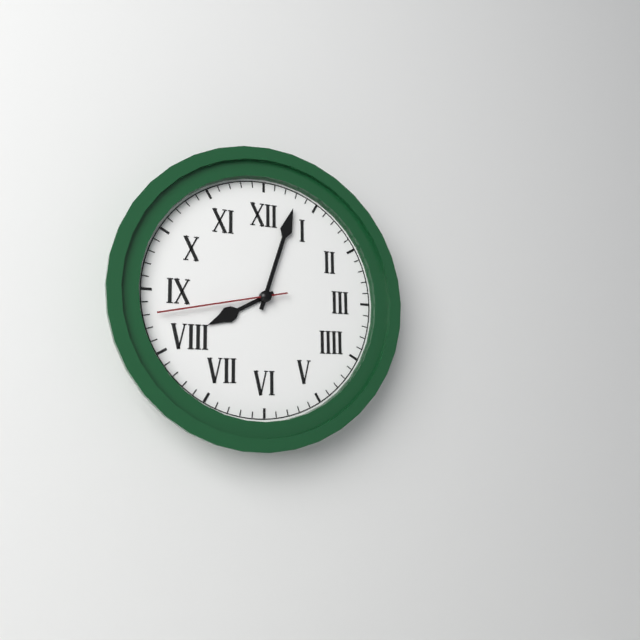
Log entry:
8 h 03 min 43 s
